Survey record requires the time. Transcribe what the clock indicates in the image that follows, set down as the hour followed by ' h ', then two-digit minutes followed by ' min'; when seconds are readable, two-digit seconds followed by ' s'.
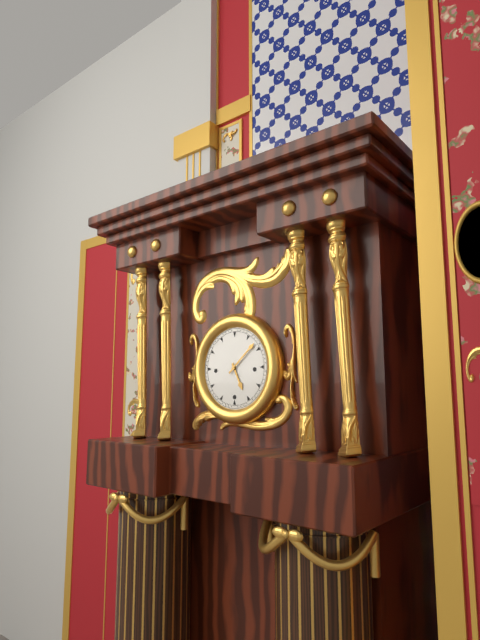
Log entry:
5 h 08 min
